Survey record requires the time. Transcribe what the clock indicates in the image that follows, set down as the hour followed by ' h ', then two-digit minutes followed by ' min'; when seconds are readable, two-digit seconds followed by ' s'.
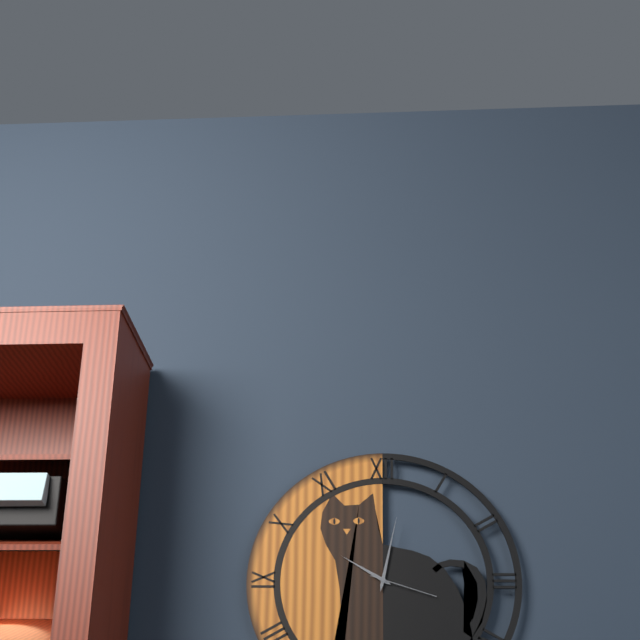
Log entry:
10 h 02 min 18 s
